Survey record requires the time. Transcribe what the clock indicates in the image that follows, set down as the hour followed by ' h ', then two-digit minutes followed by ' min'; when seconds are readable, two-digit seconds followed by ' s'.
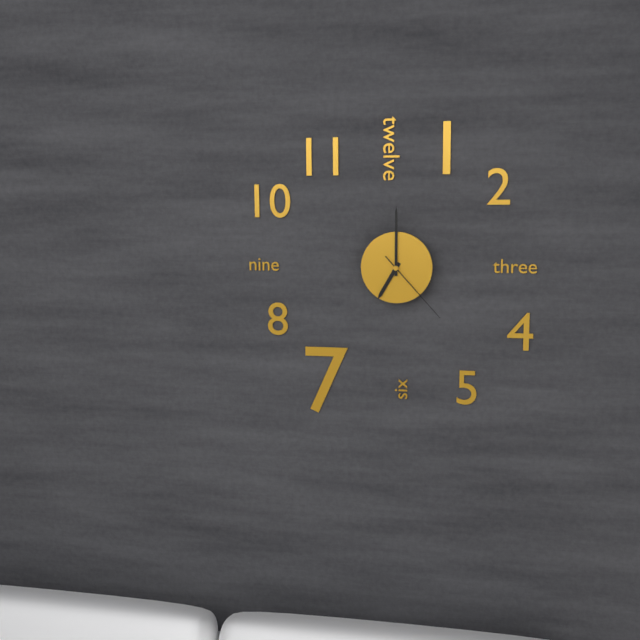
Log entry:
7 h 00 min 23 s
